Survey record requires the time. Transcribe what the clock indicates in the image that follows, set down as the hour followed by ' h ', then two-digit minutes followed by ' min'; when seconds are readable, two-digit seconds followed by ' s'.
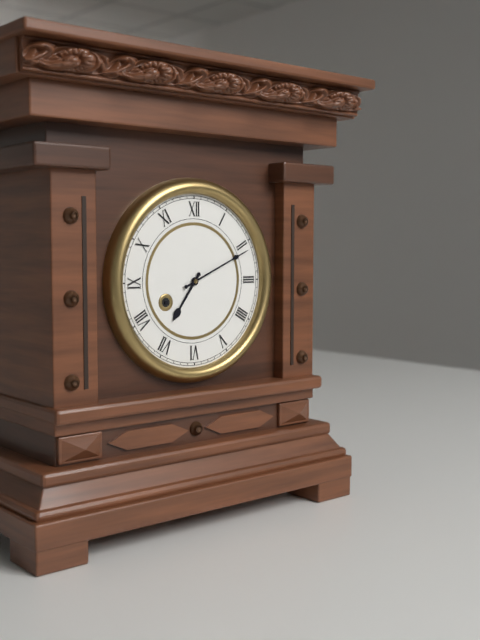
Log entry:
7 h 11 min
